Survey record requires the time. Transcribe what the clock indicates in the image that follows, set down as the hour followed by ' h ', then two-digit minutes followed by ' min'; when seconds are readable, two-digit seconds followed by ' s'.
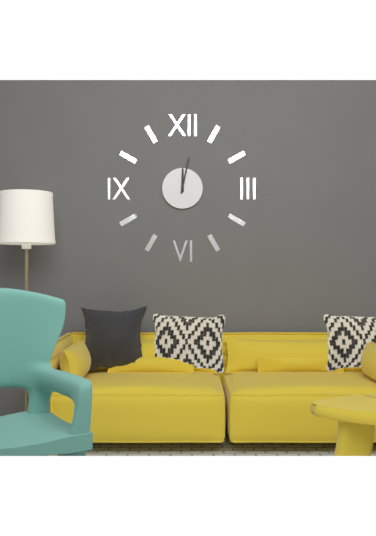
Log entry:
12 h 02 min
